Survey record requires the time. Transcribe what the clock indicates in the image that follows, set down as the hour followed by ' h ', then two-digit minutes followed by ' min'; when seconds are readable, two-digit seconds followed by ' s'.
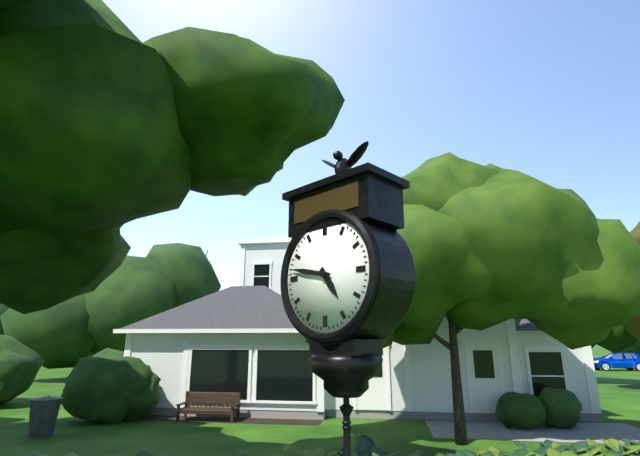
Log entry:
4 h 47 min
